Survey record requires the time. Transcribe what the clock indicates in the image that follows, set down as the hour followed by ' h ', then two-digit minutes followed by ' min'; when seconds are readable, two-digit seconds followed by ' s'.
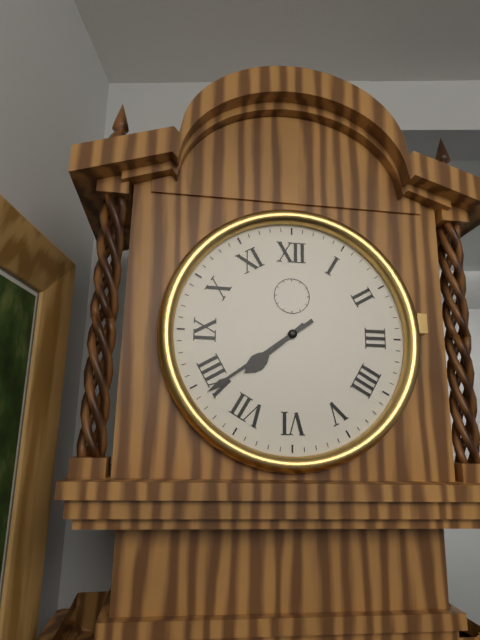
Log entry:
7 h 39 min
